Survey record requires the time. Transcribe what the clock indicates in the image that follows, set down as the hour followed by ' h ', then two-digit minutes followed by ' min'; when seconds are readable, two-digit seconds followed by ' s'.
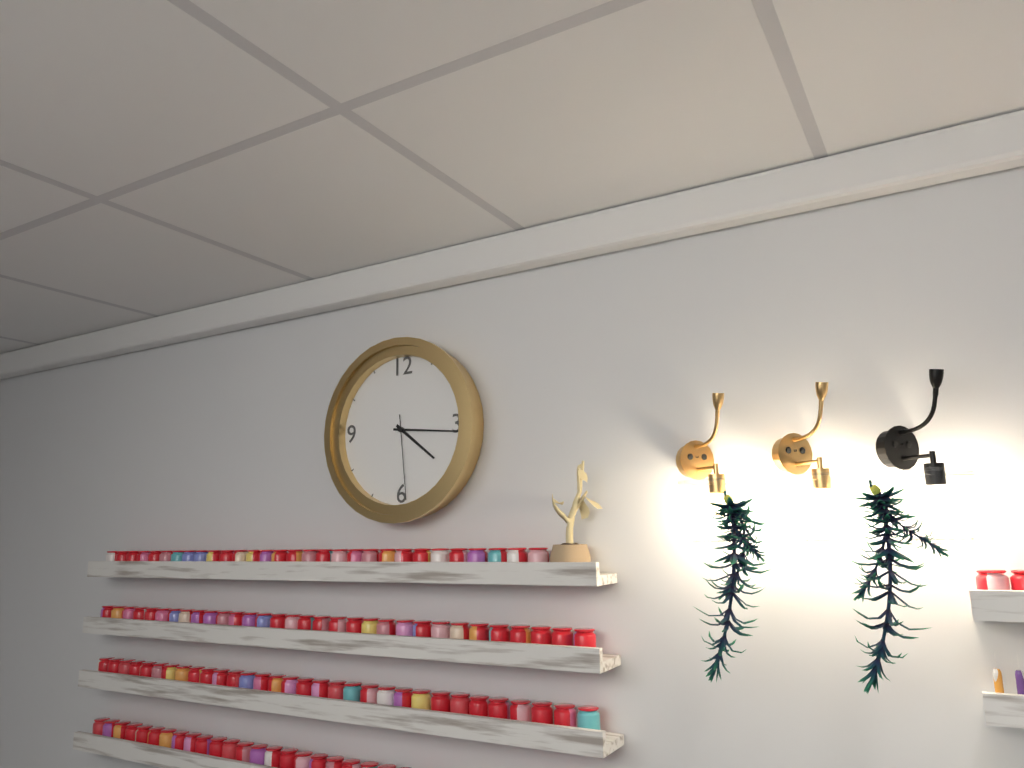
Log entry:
4 h 16 min 29 s
